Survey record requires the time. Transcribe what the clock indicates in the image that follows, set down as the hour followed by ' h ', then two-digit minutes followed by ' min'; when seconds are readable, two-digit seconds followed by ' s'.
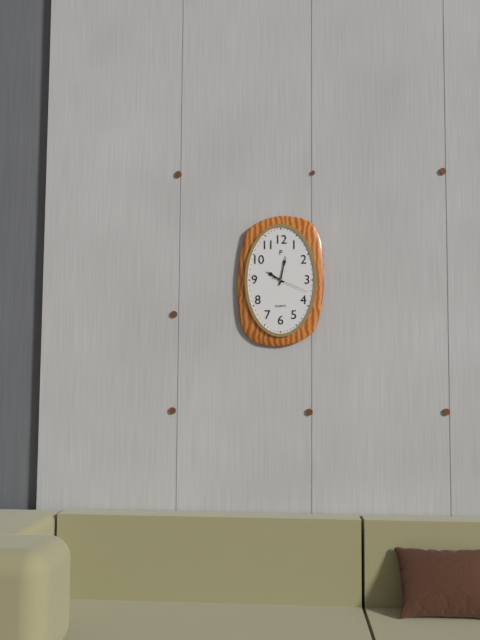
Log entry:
10 h 02 min
